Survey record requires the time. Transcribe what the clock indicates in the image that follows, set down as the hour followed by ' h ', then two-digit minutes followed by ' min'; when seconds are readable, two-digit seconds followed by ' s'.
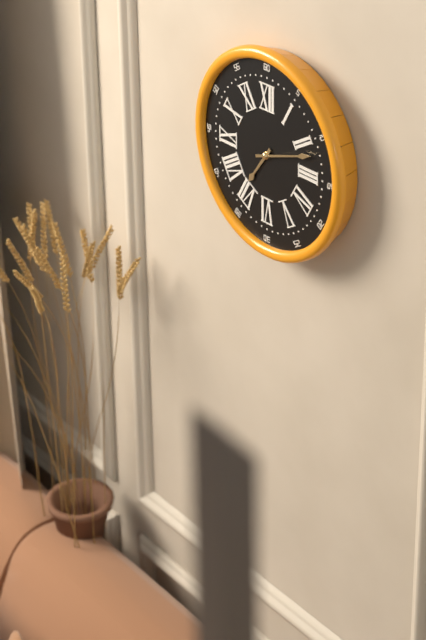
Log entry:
7 h 12 min
